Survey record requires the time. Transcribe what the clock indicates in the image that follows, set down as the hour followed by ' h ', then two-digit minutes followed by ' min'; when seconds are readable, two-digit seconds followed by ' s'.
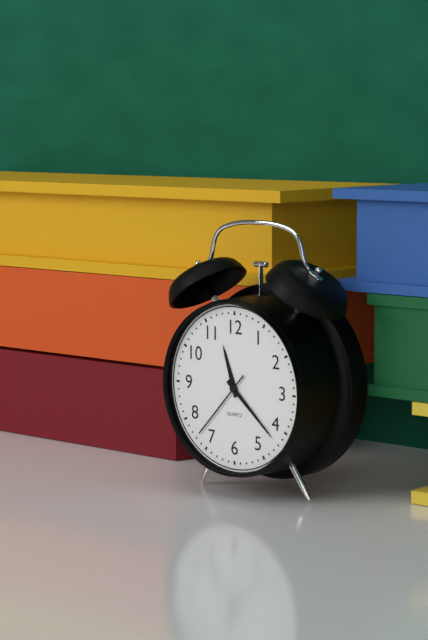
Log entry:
11 h 22 min 37 s
